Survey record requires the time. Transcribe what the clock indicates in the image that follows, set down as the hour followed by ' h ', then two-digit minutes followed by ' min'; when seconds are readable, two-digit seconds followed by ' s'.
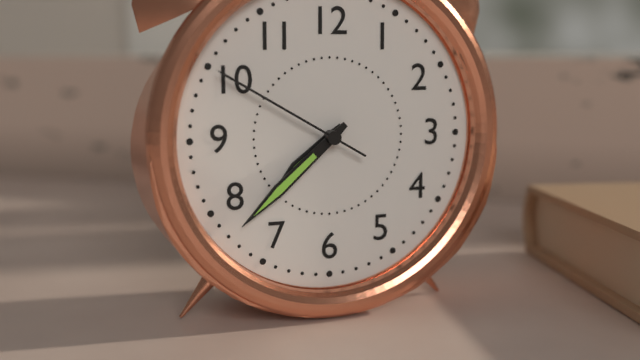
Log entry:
7 h 38 min 50 s
